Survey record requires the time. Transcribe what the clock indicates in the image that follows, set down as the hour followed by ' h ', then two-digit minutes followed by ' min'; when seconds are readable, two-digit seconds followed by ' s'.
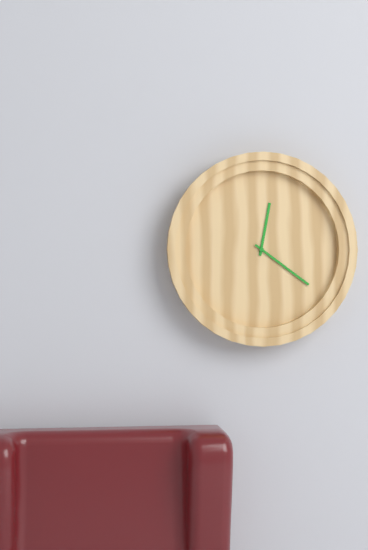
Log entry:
12 h 21 min
